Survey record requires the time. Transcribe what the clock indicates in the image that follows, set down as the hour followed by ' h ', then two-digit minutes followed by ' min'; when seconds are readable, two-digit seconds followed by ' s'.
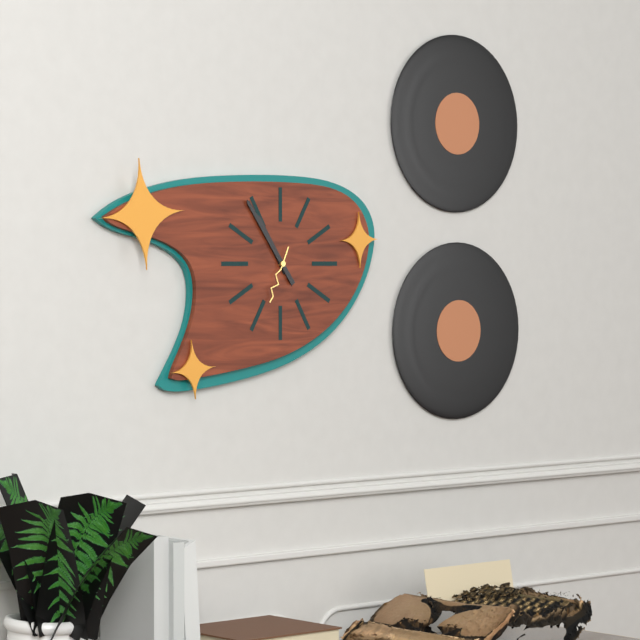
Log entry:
10 h 54 min
